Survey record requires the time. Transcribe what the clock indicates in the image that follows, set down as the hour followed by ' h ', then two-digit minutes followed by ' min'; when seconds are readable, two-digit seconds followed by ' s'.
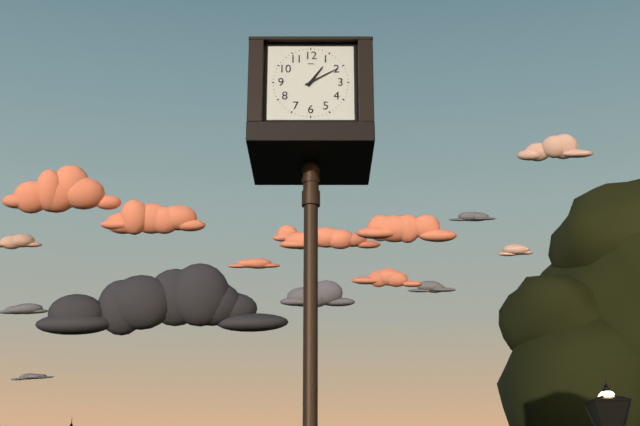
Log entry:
1 h 10 min
